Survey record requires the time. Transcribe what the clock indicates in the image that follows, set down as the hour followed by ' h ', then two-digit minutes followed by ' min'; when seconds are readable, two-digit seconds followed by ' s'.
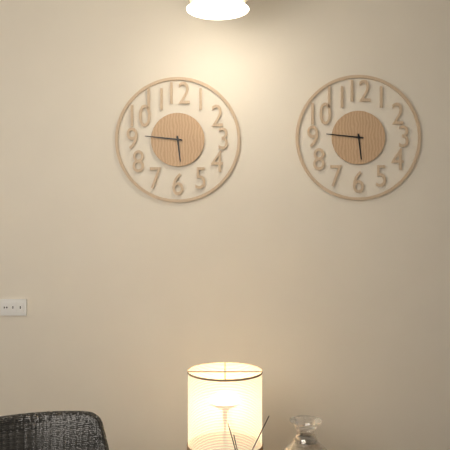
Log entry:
5 h 46 min
